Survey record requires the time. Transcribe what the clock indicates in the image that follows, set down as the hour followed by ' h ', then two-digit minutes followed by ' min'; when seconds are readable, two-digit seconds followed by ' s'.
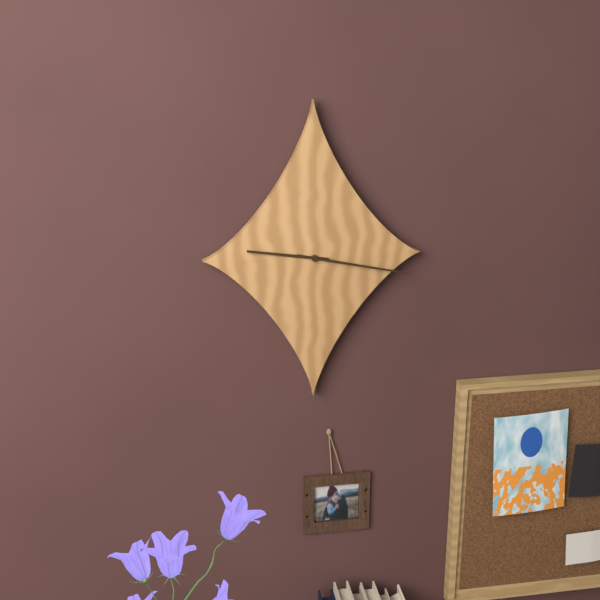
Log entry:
9 h 17 min
